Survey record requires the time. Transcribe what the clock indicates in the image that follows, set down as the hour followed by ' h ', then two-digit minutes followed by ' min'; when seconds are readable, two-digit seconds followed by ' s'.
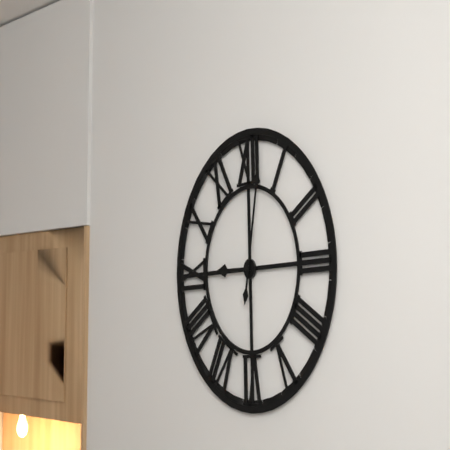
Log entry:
9 h 02 min
